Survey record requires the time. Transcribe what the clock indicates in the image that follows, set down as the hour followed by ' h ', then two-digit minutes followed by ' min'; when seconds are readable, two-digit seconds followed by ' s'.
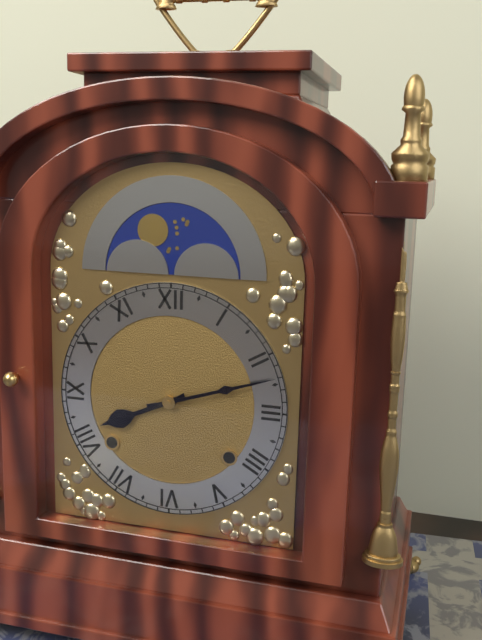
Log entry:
8 h 12 min
